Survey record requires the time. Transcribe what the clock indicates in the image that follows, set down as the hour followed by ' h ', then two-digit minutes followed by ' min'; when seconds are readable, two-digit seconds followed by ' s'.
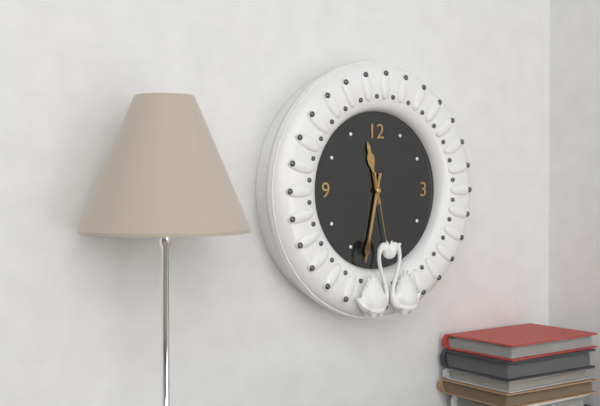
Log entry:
11 h 32 min 28 s
